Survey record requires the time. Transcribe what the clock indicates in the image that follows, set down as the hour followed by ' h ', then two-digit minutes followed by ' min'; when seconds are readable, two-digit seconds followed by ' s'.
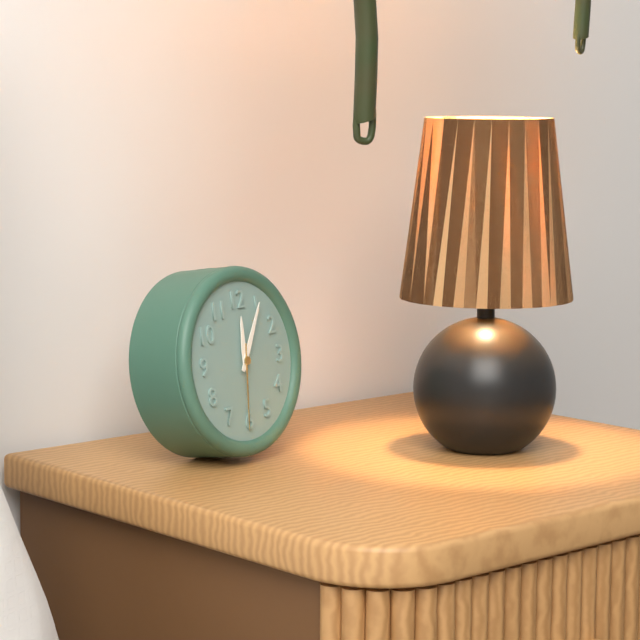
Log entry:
12 h 05 min 31 s
